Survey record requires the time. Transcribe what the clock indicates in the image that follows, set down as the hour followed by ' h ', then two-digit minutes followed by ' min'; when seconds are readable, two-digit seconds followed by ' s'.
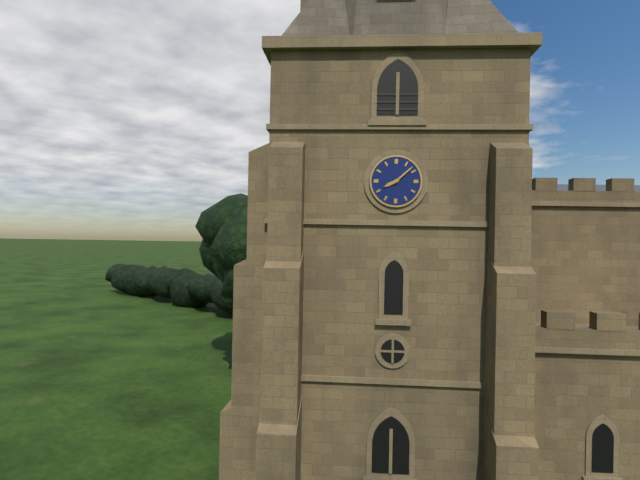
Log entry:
8 h 08 min
